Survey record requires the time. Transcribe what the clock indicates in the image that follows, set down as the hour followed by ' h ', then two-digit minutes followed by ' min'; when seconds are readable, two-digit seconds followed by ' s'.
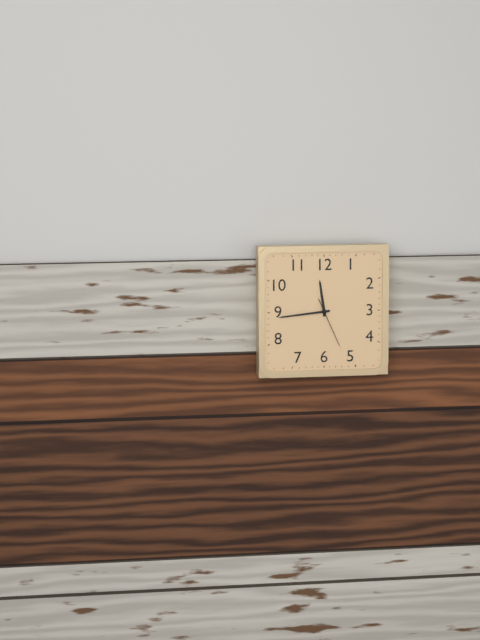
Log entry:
11 h 44 min
